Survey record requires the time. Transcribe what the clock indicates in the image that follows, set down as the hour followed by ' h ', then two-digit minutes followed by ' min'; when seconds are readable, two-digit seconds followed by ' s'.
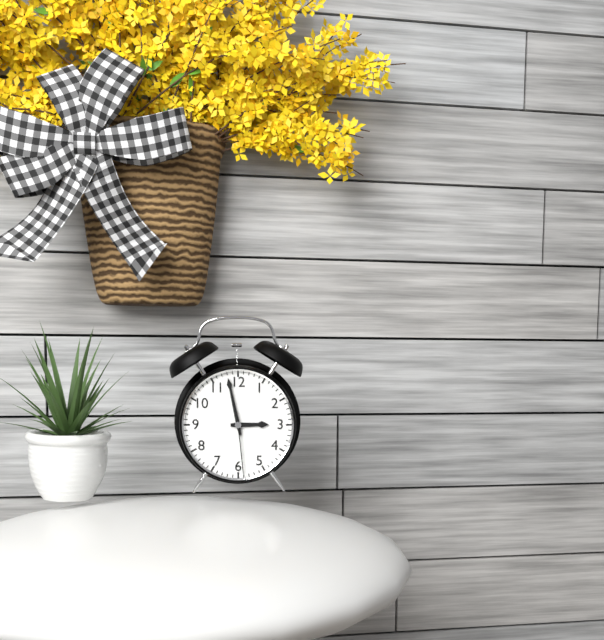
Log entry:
2 h 58 min 29 s
